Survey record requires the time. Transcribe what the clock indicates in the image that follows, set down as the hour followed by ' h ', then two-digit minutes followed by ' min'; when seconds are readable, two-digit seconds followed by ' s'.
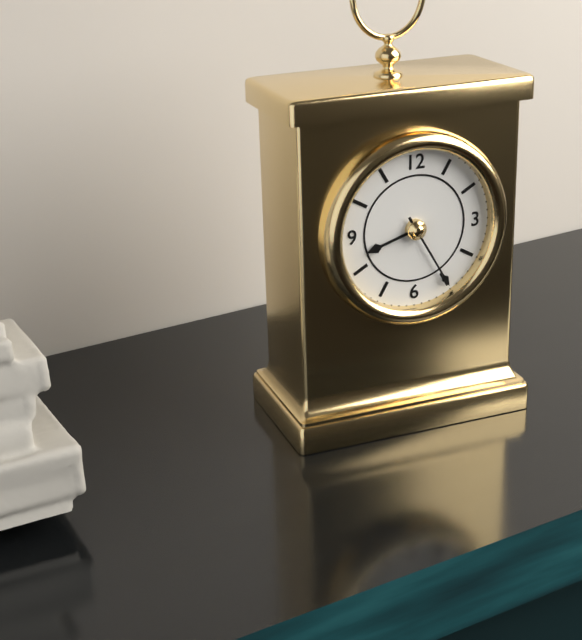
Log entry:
8 h 25 min
